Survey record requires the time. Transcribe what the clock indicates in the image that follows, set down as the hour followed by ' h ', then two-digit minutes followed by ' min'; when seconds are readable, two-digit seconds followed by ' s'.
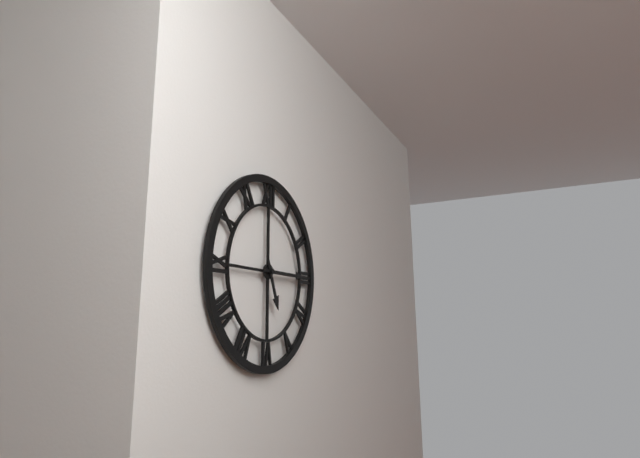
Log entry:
5 h 15 min
